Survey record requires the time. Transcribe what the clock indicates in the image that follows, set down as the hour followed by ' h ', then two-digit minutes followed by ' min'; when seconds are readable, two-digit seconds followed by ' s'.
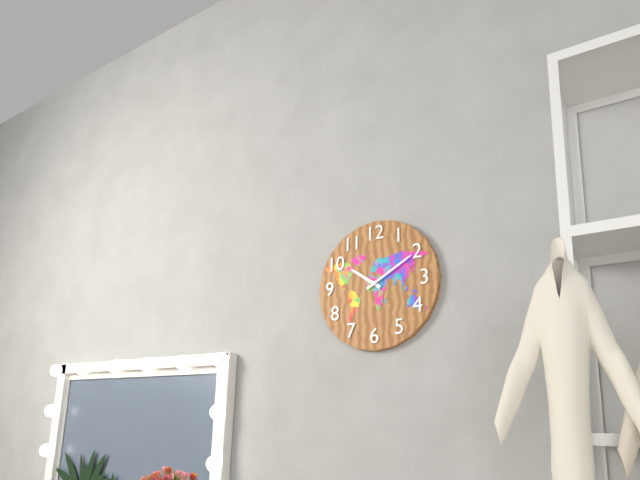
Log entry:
10 h 10 min
